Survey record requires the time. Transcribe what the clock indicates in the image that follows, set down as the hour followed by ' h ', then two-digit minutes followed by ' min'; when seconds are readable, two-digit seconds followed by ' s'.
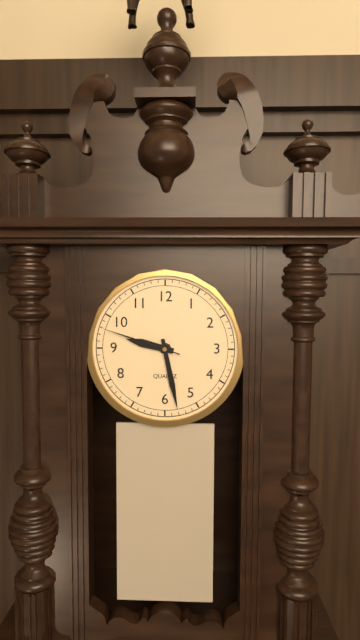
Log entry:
9 h 28 min 48 s
